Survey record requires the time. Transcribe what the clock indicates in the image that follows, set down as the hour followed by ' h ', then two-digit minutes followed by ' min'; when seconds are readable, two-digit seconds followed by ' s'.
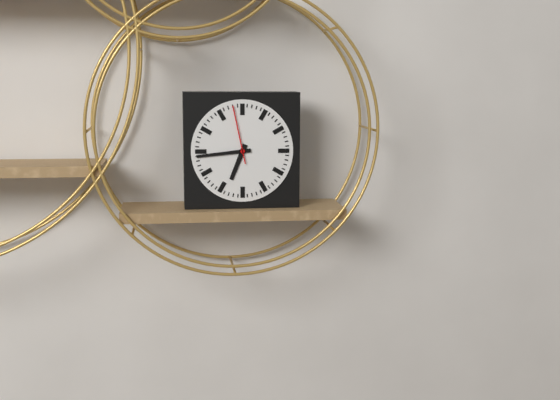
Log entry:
6 h 44 min 58 s
